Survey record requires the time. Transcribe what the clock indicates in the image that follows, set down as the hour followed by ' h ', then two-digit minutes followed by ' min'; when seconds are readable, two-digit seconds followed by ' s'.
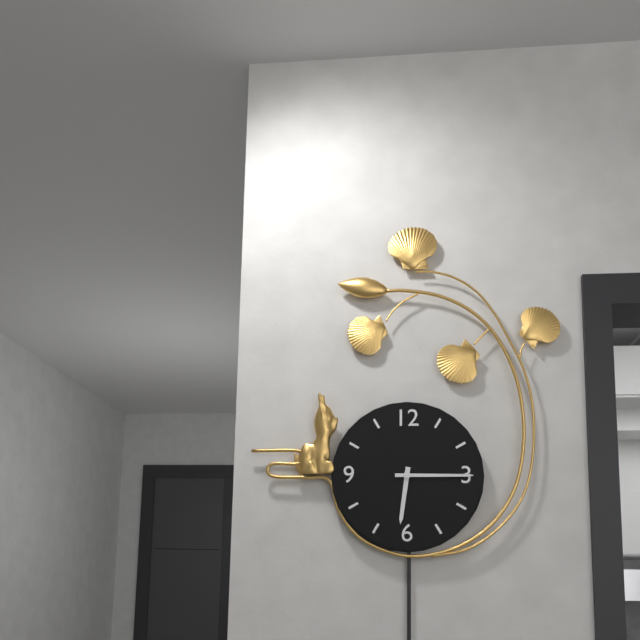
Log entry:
6 h 15 min
